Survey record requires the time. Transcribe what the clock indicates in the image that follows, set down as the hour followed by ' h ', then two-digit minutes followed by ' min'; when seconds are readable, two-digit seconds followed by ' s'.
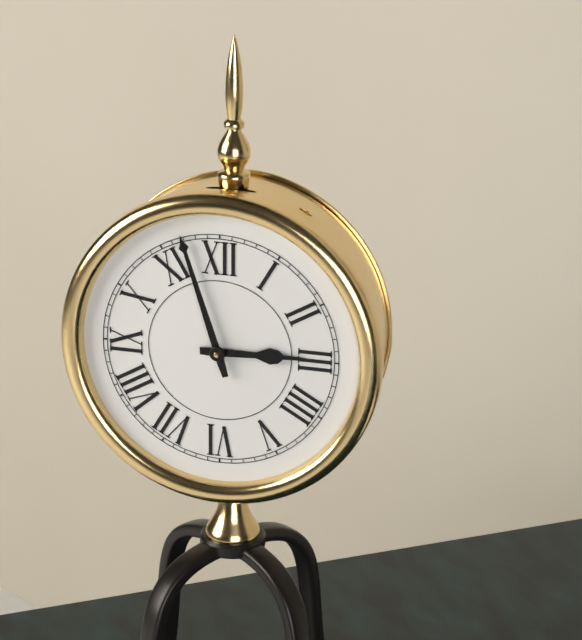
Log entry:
2 h 57 min
